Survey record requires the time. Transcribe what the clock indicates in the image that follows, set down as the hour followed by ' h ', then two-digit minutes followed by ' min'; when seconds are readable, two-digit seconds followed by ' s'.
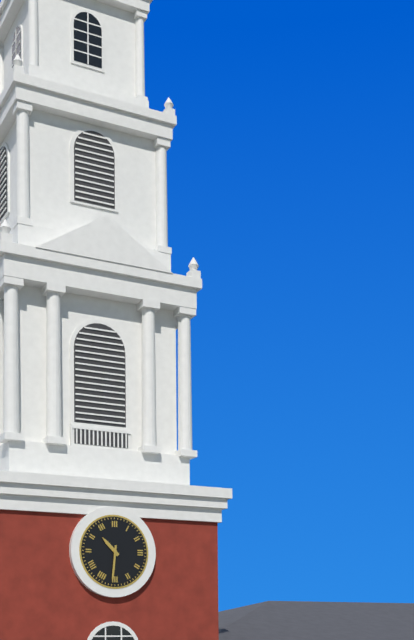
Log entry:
10 h 31 min
